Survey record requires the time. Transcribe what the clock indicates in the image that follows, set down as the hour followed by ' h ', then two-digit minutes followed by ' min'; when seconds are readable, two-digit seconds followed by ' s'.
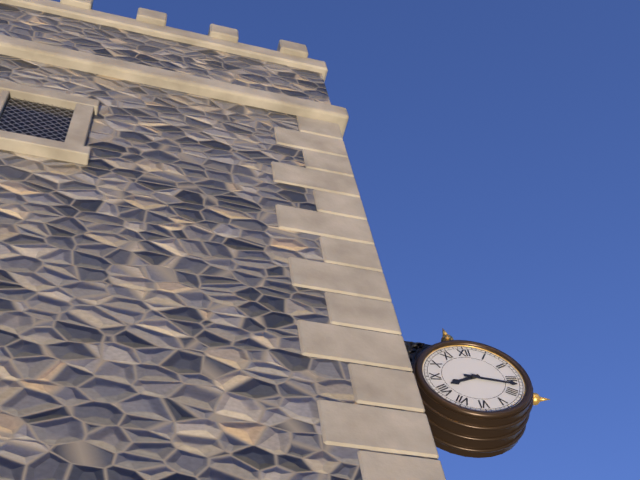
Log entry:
8 h 17 min
